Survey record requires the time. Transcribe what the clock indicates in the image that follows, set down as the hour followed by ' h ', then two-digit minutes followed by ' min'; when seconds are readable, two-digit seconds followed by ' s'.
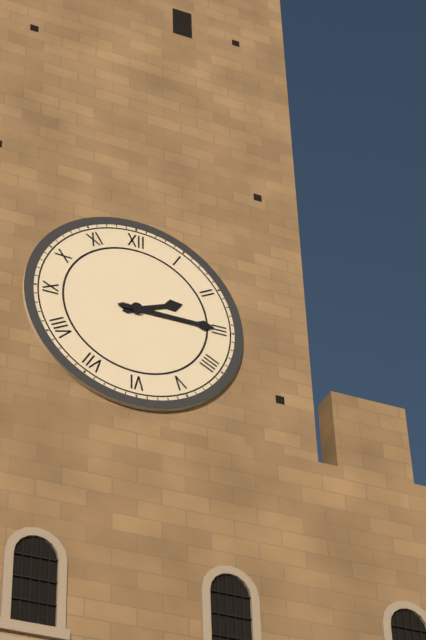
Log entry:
2 h 15 min
